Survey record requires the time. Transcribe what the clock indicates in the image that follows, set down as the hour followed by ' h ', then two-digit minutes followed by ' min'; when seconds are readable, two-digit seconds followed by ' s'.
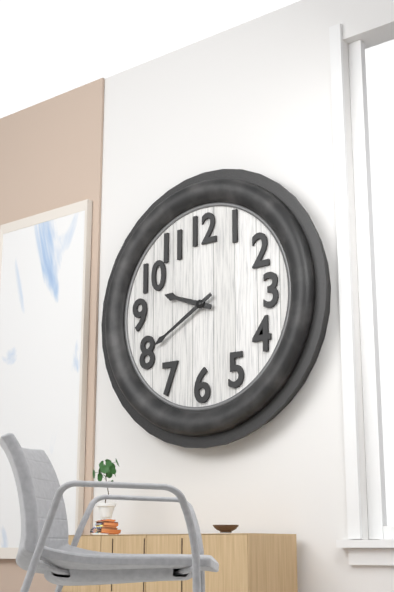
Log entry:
9 h 40 min
